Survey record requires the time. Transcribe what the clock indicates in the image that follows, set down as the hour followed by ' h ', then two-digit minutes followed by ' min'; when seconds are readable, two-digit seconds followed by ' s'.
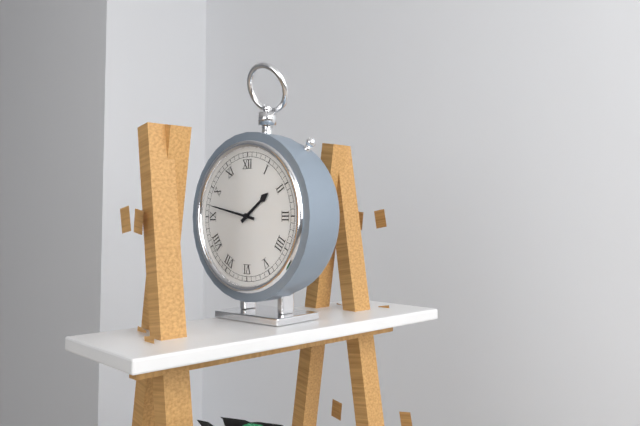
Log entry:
1 h 47 min
